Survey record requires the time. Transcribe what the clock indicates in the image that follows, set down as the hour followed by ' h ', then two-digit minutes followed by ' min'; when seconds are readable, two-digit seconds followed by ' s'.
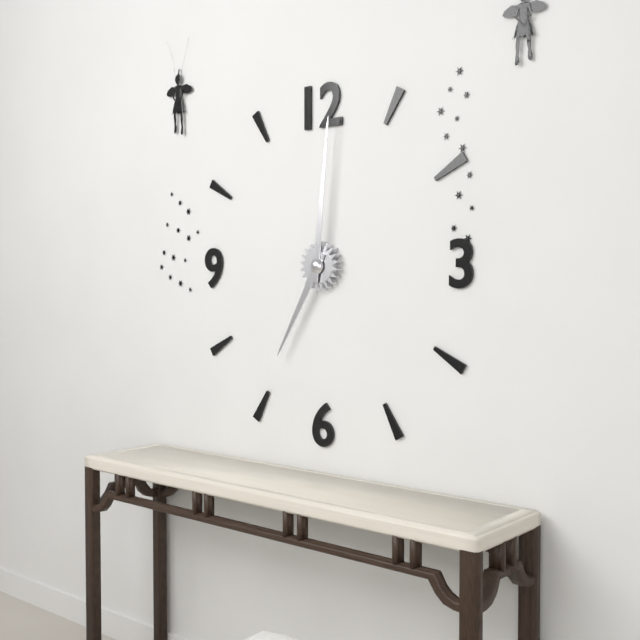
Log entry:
7 h 01 min
